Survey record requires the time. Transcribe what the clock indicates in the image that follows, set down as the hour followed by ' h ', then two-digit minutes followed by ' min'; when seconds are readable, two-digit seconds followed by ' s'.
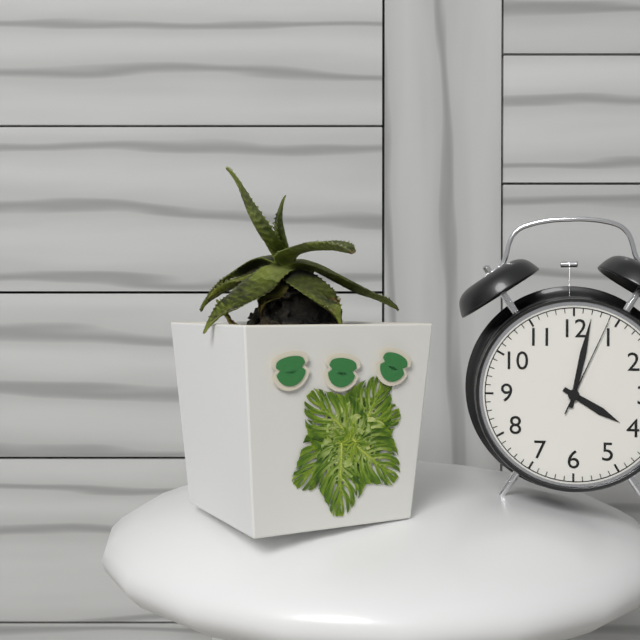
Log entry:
4 h 02 min 04 s
